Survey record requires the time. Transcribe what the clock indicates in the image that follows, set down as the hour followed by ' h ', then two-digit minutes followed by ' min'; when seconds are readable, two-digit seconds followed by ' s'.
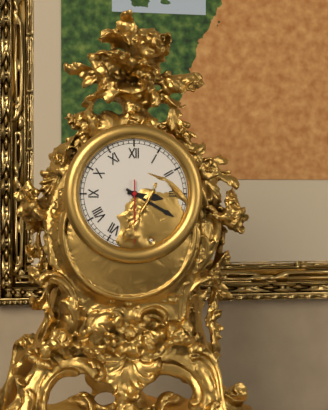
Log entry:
3 h 20 min 30 s
